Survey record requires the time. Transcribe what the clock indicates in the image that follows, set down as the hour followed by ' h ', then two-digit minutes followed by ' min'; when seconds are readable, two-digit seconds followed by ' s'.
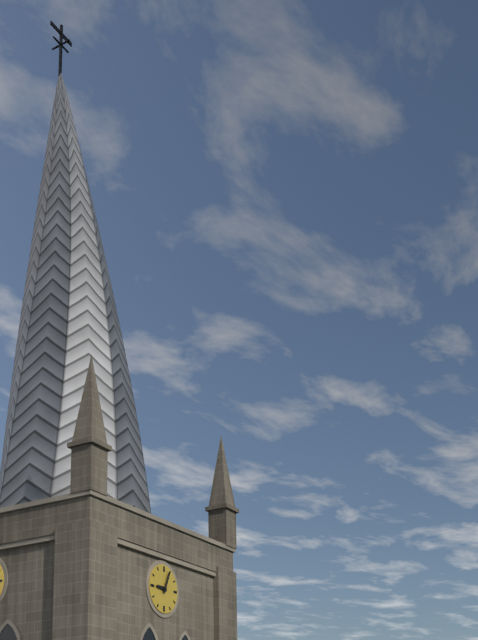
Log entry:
9 h 04 min
